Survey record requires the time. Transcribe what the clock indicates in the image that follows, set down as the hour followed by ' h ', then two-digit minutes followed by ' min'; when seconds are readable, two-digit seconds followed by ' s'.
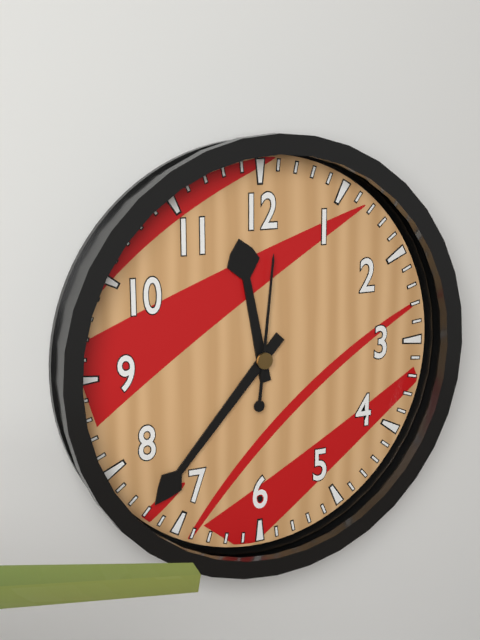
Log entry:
11 h 37 min 01 s
